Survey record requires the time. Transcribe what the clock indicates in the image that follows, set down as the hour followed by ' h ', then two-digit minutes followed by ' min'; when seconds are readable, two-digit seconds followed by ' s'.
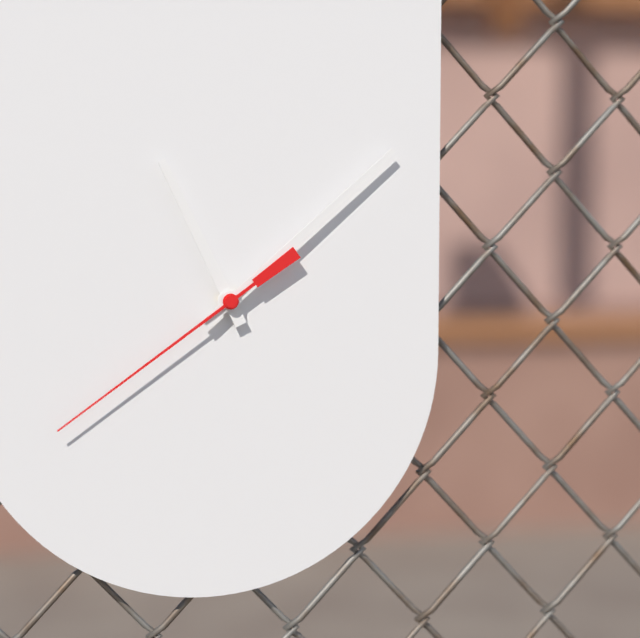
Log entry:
11 h 08 min 39 s
